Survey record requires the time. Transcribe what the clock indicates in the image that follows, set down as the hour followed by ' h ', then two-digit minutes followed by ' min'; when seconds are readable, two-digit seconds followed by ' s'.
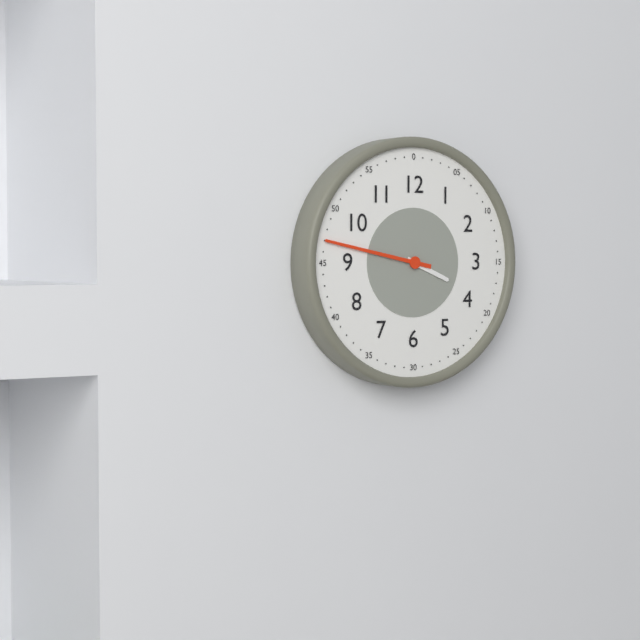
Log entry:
3 h 47 min
